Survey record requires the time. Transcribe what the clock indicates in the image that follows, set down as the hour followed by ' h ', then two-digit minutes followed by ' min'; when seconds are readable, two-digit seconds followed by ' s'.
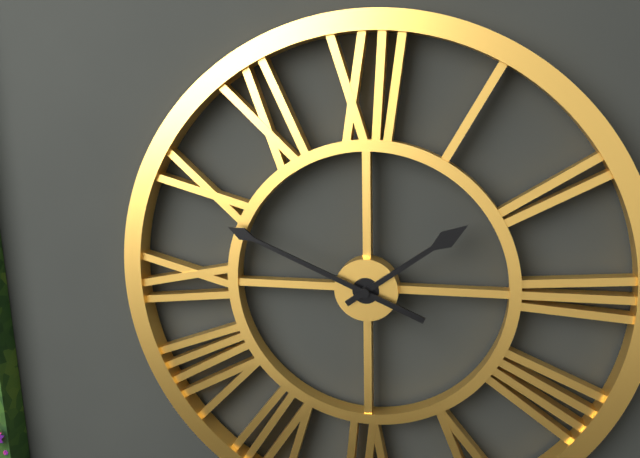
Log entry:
1 h 49 min
